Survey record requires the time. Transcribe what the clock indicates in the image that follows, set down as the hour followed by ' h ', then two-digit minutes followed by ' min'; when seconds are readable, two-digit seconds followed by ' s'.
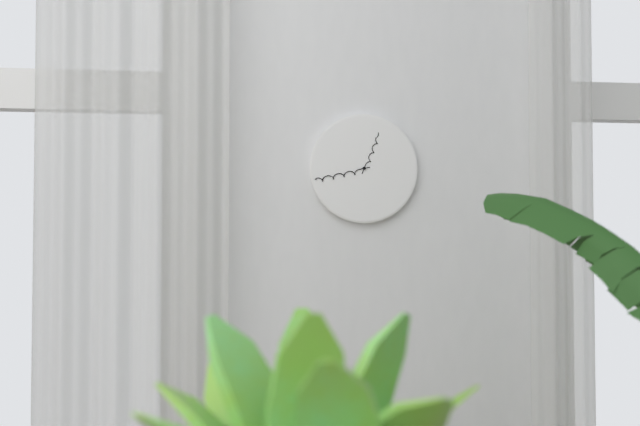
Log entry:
12 h 43 min
